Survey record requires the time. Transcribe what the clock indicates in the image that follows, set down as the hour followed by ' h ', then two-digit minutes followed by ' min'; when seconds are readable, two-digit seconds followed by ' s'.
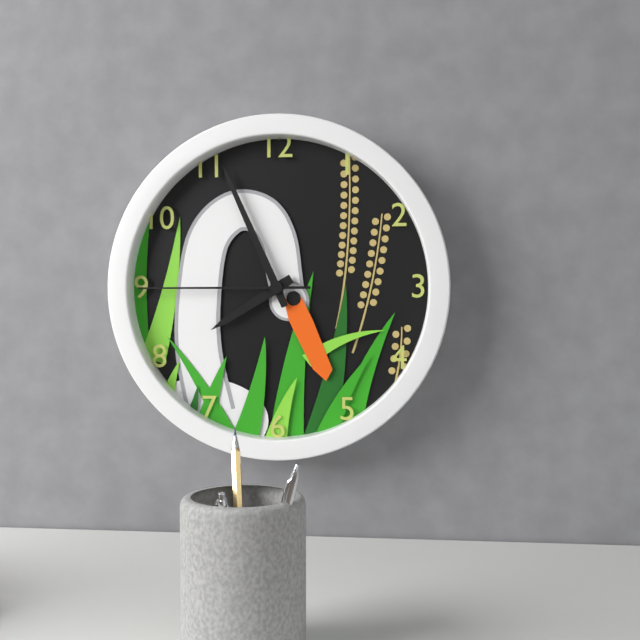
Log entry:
7 h 56 min 45 s
